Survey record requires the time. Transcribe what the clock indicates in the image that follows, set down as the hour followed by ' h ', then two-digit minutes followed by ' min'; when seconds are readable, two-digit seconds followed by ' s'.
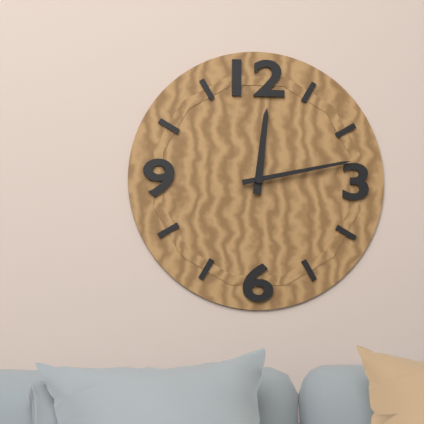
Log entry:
12 h 13 min
